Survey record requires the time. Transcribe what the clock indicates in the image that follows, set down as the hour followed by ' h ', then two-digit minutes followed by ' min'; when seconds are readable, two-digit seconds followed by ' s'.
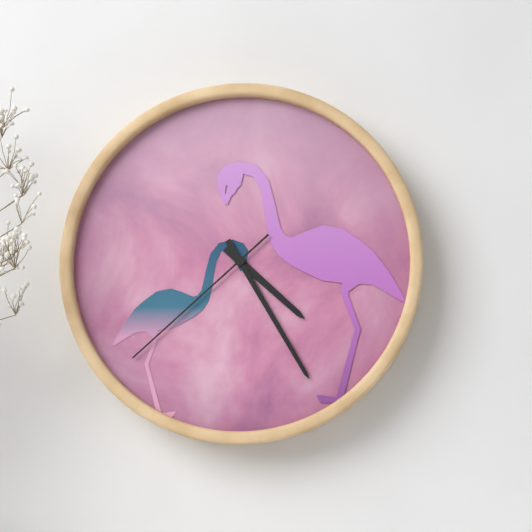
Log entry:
4 h 25 min 38 s
